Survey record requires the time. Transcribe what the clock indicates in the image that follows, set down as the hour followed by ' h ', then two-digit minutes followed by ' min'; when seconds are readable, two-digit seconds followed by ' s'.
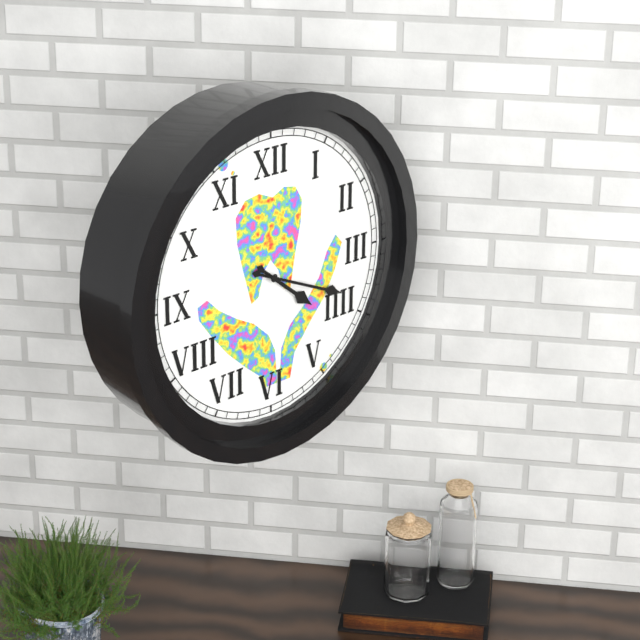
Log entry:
4 h 19 min
